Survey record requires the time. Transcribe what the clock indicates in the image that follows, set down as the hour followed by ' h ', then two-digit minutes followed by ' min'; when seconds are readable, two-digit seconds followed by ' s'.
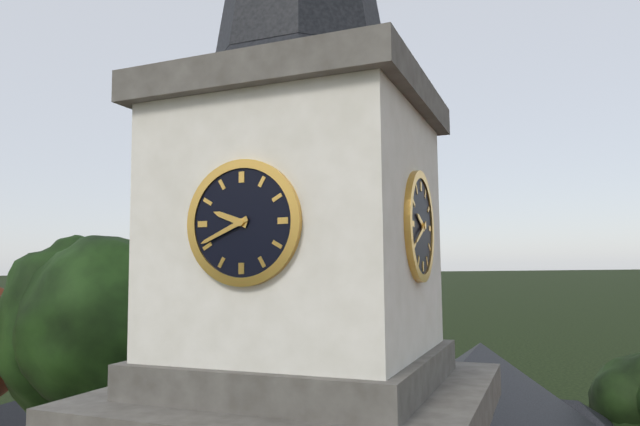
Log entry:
9 h 41 min
